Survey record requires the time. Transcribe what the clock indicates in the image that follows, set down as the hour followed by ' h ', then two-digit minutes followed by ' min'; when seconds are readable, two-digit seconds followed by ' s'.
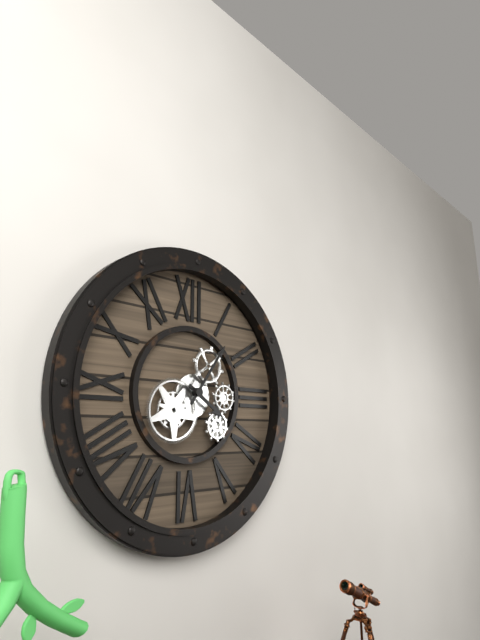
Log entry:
4 h 06 min
